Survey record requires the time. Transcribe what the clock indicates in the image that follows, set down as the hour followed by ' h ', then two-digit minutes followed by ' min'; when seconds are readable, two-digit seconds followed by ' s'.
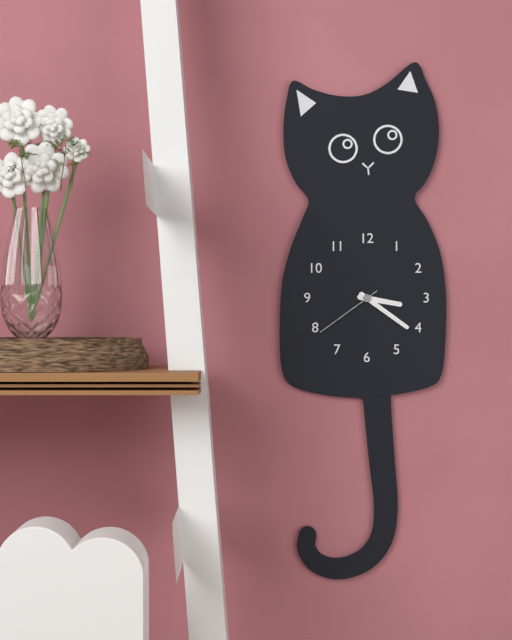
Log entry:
3 h 21 min 39 s
